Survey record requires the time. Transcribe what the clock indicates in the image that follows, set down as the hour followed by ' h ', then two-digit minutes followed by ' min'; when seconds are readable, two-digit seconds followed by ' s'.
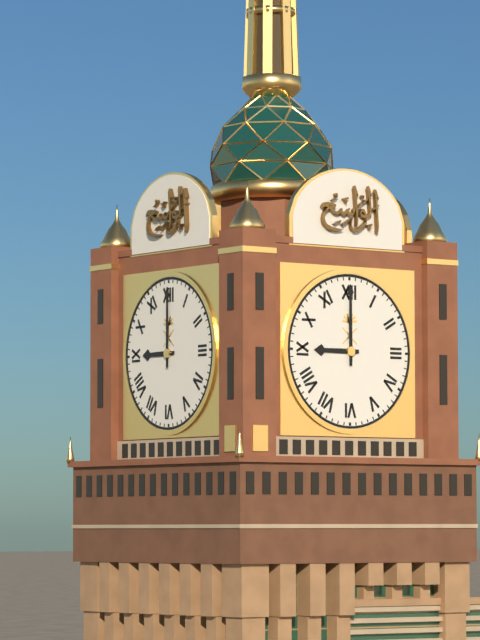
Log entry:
9 h 00 min
